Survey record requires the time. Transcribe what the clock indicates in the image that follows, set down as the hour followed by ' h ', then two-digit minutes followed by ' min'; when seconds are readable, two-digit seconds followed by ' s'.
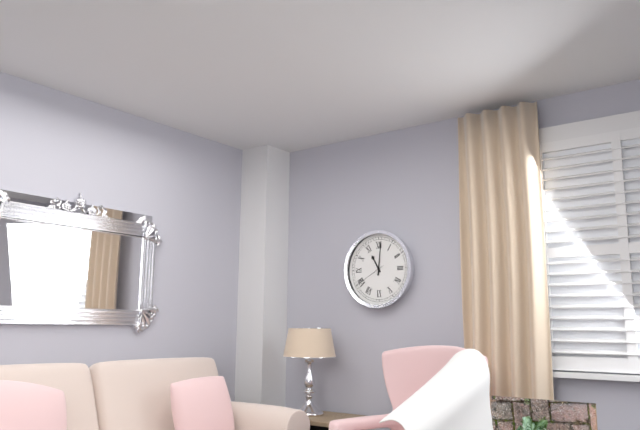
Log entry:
11 h 01 min
